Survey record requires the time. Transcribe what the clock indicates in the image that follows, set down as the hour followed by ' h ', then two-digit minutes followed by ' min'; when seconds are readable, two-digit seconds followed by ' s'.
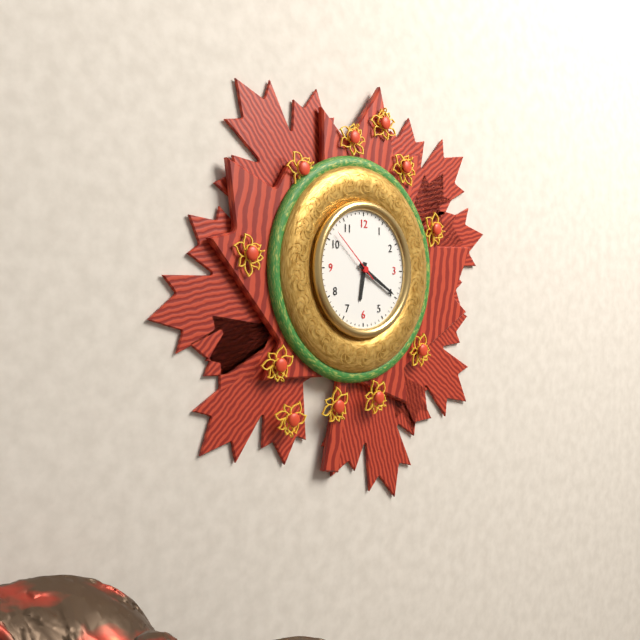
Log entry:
6 h 20 min 52 s
